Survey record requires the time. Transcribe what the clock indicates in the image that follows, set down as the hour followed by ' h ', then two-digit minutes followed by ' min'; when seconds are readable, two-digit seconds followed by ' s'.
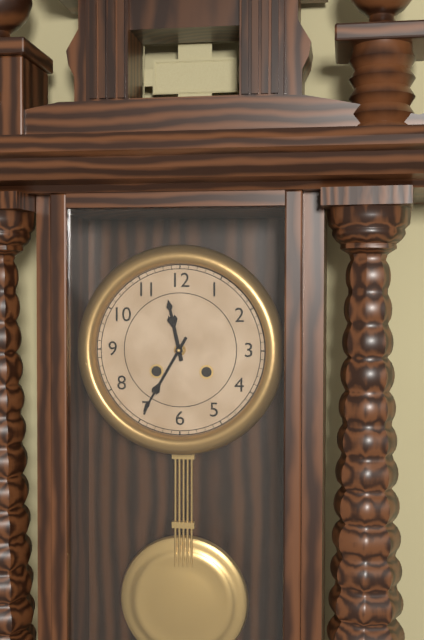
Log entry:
11 h 35 min
